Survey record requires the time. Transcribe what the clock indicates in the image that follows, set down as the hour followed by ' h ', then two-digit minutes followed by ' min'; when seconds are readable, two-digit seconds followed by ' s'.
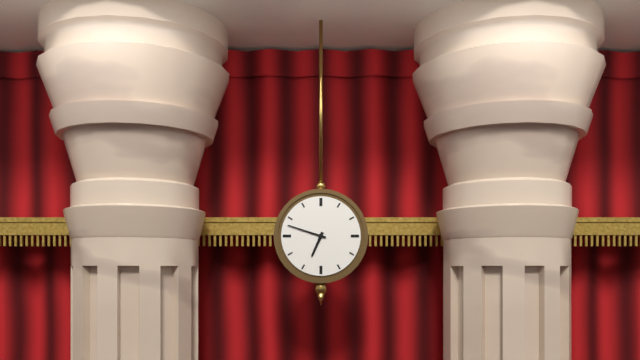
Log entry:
6 h 48 min
